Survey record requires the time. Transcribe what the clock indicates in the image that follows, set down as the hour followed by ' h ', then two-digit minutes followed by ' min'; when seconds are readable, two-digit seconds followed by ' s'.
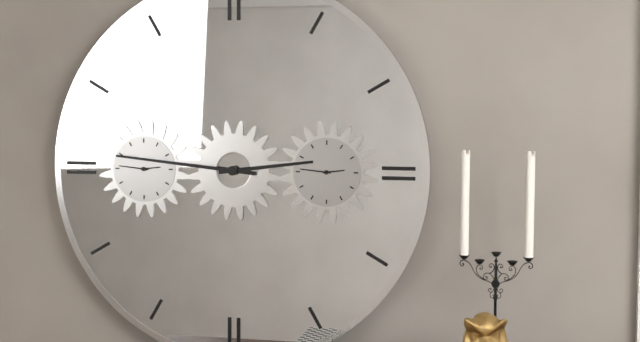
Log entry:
2 h 46 min
